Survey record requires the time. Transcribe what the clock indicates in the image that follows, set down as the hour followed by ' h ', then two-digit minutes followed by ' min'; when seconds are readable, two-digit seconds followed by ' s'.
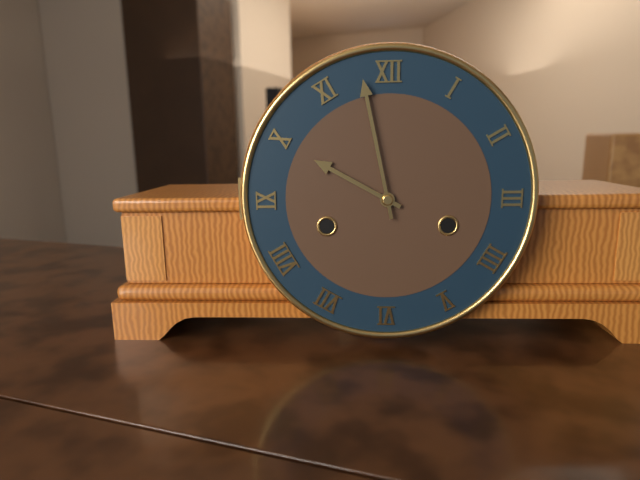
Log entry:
9 h 58 min
